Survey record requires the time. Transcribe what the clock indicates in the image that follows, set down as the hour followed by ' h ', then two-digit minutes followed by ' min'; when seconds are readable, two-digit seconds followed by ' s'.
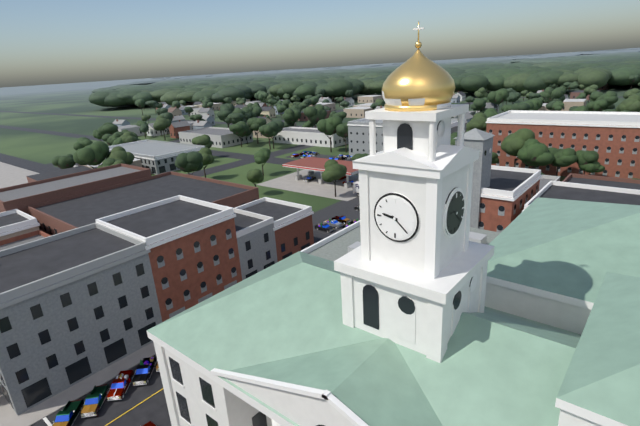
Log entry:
9 h 22 min
